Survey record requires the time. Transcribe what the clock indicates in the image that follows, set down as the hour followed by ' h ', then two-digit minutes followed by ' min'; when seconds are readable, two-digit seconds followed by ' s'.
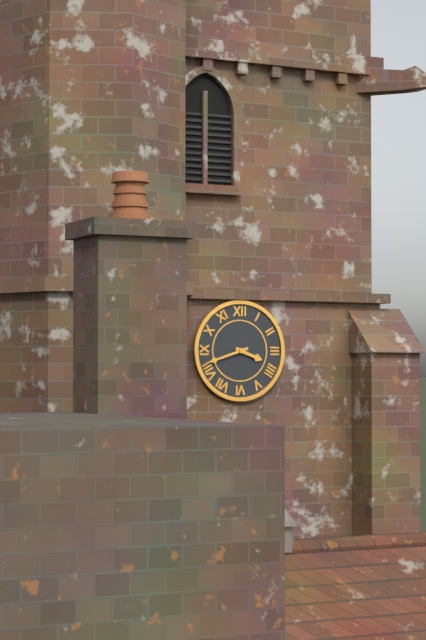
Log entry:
3 h 42 min
